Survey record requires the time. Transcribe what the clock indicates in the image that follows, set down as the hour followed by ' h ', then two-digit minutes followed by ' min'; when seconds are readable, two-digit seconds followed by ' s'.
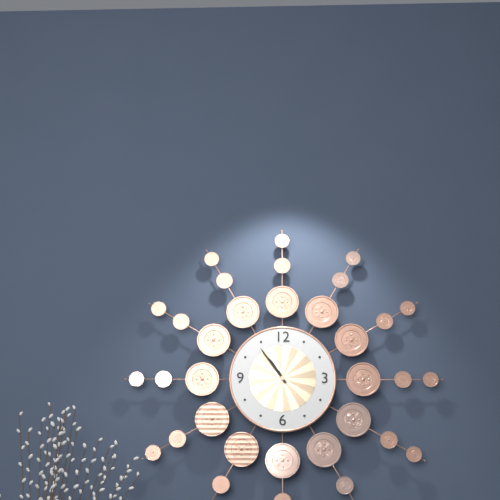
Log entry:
10 h 54 min
